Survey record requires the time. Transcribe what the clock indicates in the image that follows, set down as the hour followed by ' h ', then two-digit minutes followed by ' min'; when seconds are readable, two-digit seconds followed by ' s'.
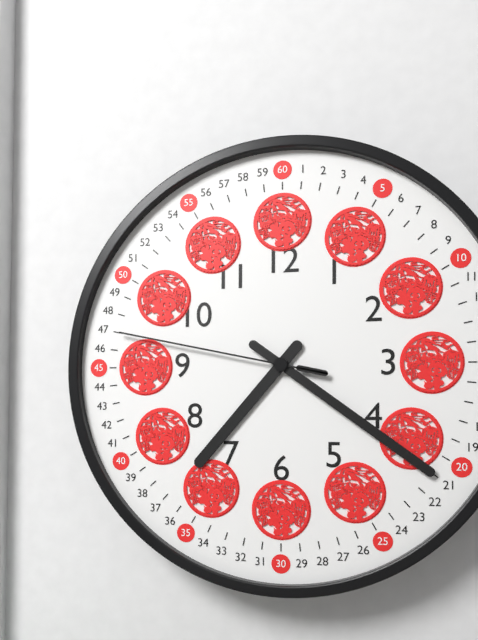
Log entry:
7 h 21 min 47 s
